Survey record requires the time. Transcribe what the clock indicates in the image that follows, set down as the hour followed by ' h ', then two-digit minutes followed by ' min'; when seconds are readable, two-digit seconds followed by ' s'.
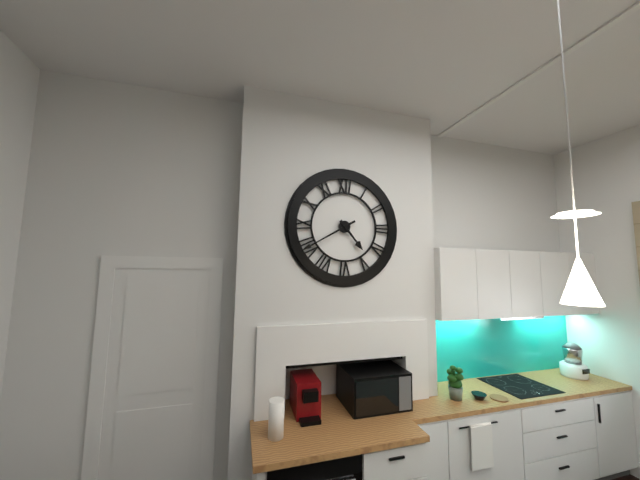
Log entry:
4 h 40 min
